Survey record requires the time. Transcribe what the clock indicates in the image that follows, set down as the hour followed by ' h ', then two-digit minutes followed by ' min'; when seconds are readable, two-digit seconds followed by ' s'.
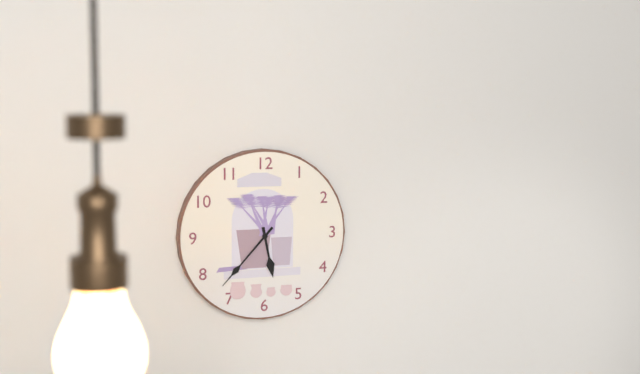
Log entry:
5 h 37 min
